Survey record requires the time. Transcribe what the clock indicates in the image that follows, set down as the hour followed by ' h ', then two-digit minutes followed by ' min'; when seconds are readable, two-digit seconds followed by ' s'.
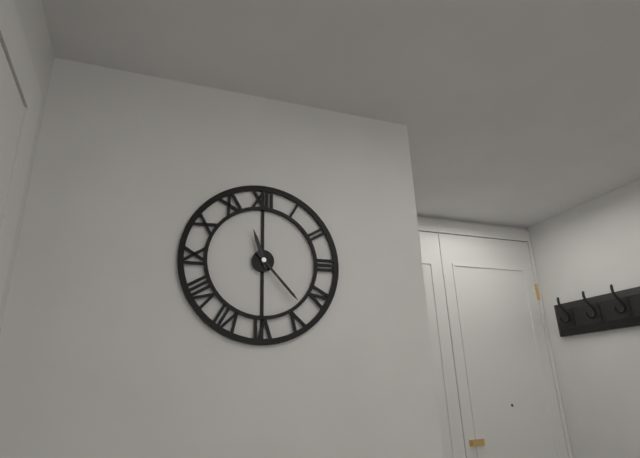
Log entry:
11 h 23 min
